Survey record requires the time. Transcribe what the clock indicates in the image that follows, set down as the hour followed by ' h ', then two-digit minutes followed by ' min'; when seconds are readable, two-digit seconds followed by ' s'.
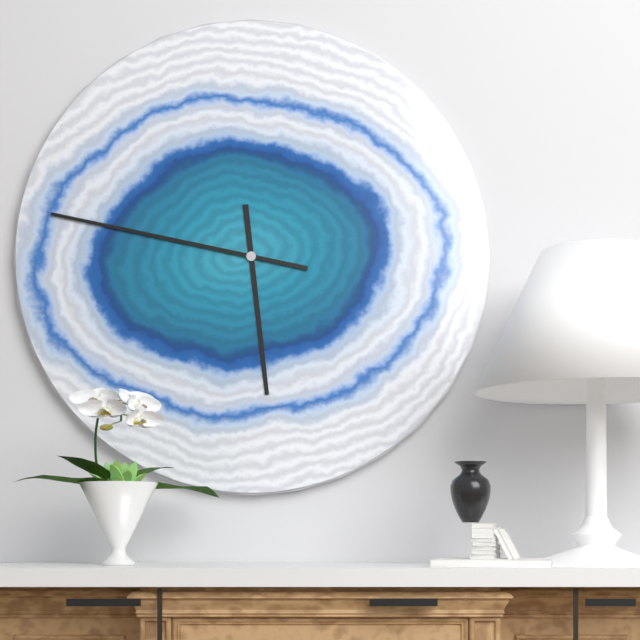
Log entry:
5 h 47 min
